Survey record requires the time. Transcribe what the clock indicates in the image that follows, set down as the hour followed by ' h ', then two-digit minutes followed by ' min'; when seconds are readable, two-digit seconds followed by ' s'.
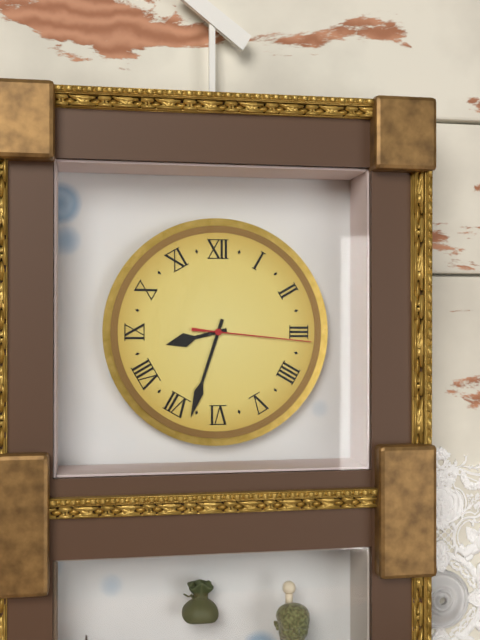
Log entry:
8 h 33 min 16 s
